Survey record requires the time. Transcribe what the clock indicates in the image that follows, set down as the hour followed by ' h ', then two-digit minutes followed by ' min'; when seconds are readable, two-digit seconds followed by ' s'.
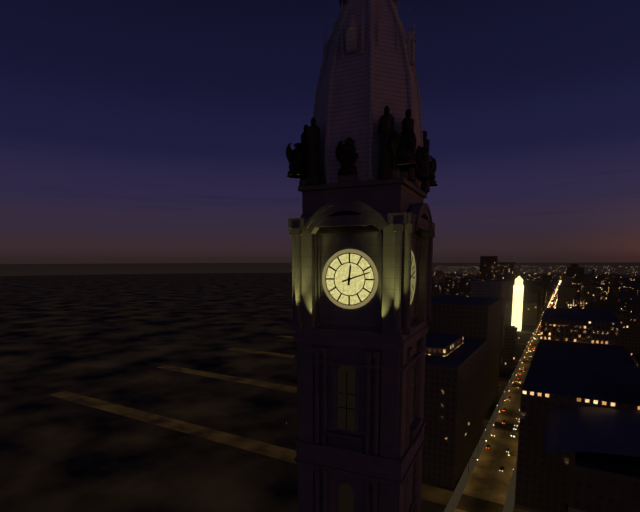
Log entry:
12 h 12 min
